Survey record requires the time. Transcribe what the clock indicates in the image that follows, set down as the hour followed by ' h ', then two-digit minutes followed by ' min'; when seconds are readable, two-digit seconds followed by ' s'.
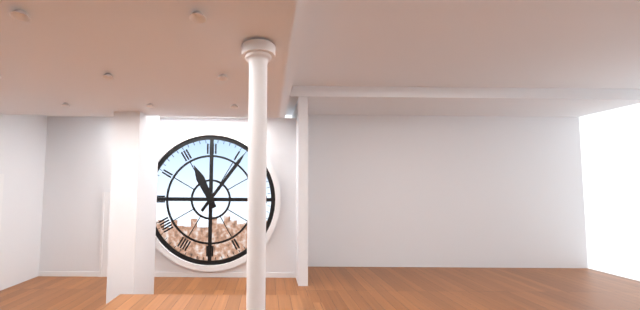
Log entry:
11 h 06 min
